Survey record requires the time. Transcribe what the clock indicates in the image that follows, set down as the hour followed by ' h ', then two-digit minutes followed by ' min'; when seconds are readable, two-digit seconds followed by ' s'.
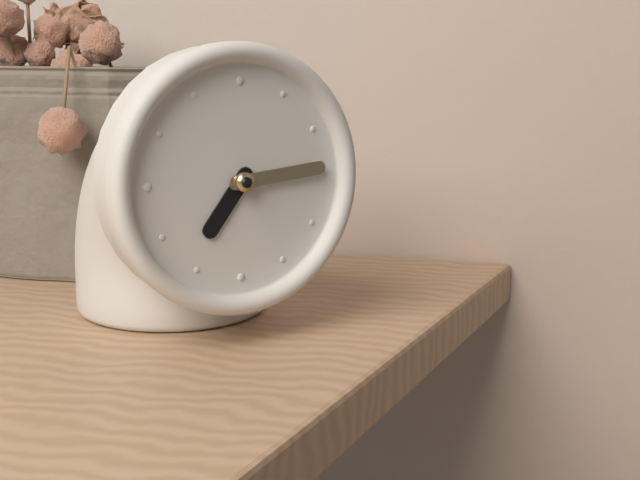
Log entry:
7 h 14 min
